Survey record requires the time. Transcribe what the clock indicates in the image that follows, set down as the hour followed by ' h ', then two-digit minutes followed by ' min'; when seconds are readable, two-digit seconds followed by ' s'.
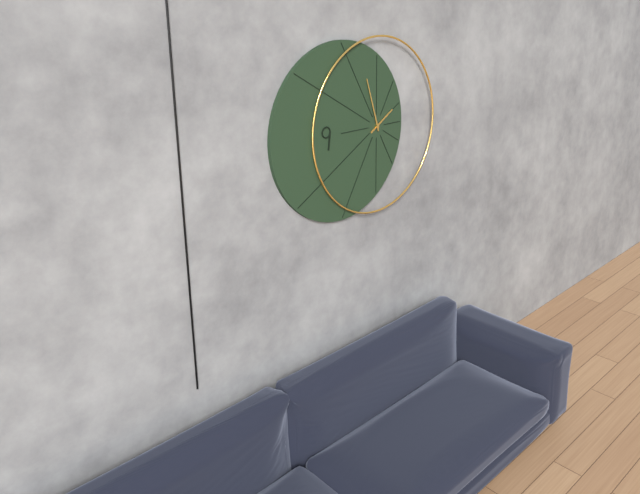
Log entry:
1 h 57 min
